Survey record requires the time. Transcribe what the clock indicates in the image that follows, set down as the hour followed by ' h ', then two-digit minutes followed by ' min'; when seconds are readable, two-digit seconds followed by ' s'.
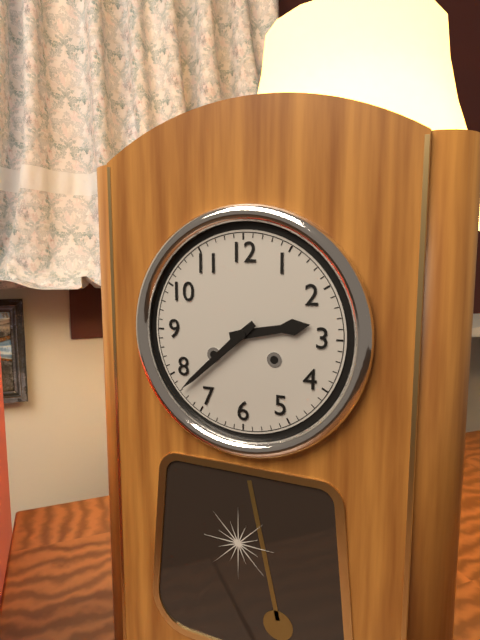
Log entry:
2 h 38 min
